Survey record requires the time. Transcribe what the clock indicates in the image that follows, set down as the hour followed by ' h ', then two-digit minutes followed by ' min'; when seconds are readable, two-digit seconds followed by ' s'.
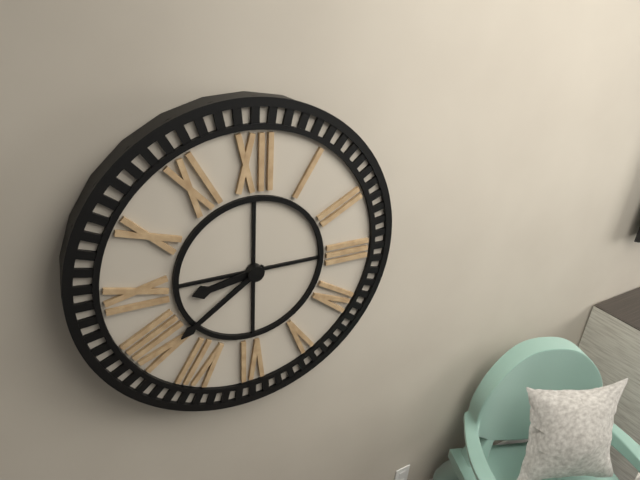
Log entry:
8 h 39 min
